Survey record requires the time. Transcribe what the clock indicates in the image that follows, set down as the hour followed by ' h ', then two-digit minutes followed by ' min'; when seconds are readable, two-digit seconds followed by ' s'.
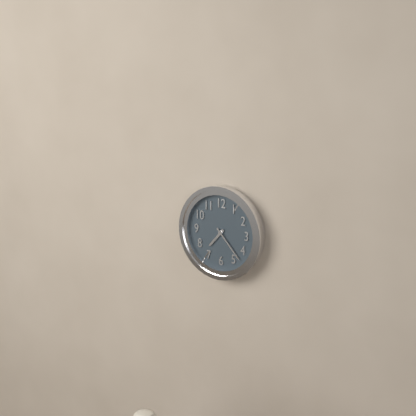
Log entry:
7 h 23 min
